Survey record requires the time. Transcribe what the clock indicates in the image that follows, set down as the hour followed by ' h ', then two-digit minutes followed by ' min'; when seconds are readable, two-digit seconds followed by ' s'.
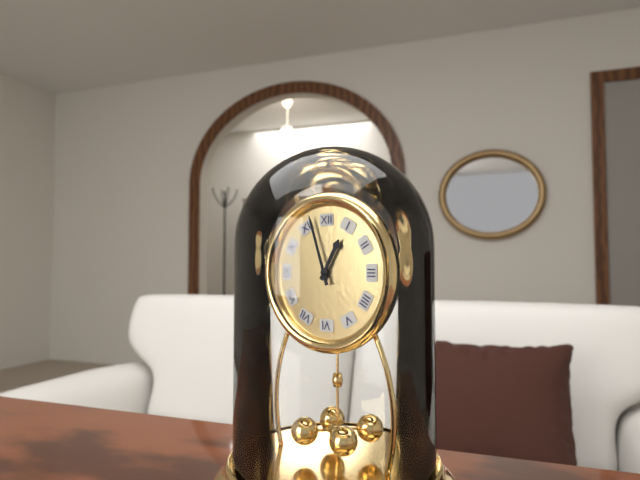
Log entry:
12 h 57 min
